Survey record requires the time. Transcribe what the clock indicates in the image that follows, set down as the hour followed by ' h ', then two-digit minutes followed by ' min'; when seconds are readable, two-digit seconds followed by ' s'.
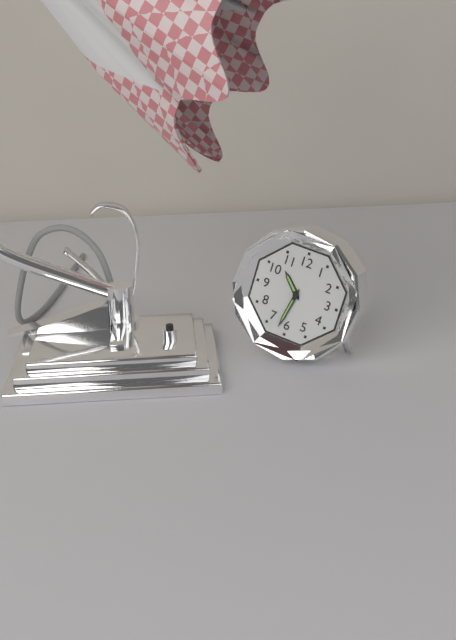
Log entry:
10 h 32 min
